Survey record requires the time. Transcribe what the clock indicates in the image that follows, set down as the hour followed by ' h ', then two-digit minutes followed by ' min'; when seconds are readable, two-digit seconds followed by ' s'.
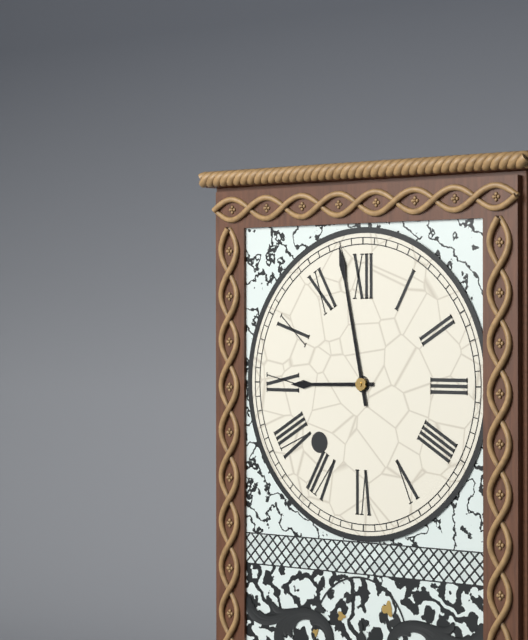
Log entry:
8 h 58 min
